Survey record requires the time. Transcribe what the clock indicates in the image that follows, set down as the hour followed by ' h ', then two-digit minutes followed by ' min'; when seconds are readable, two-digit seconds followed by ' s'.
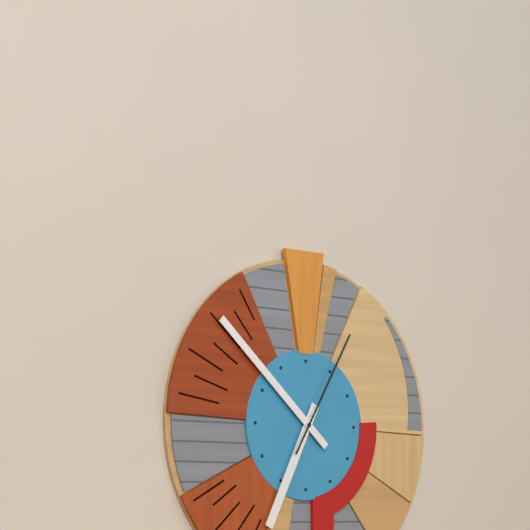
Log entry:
6 h 52 min 05 s
